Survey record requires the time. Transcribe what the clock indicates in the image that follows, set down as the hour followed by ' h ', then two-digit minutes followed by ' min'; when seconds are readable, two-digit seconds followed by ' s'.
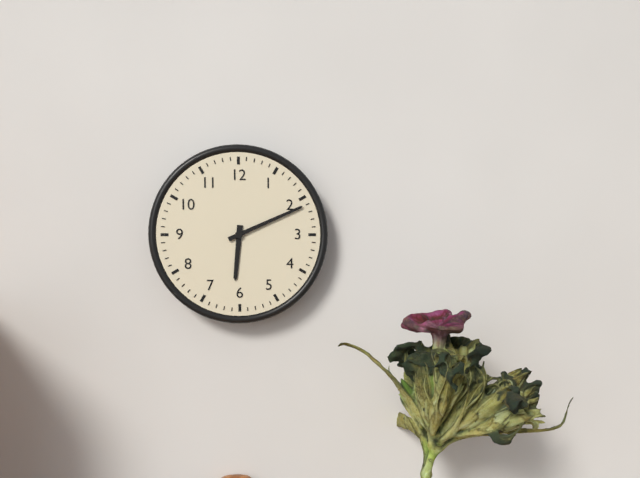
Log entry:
6 h 11 min
